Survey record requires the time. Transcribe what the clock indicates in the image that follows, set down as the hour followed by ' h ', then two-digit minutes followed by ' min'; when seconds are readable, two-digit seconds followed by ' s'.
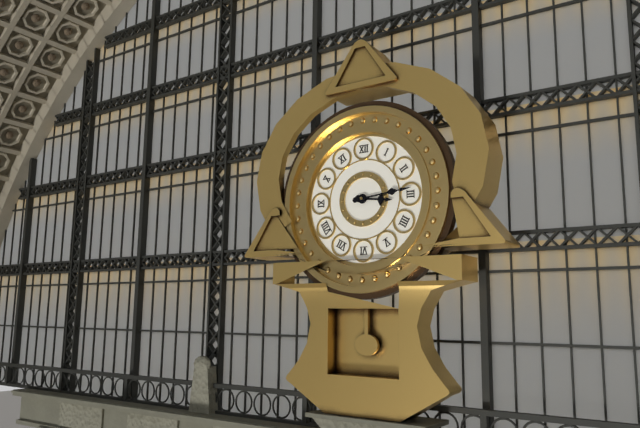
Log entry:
3 h 14 min
